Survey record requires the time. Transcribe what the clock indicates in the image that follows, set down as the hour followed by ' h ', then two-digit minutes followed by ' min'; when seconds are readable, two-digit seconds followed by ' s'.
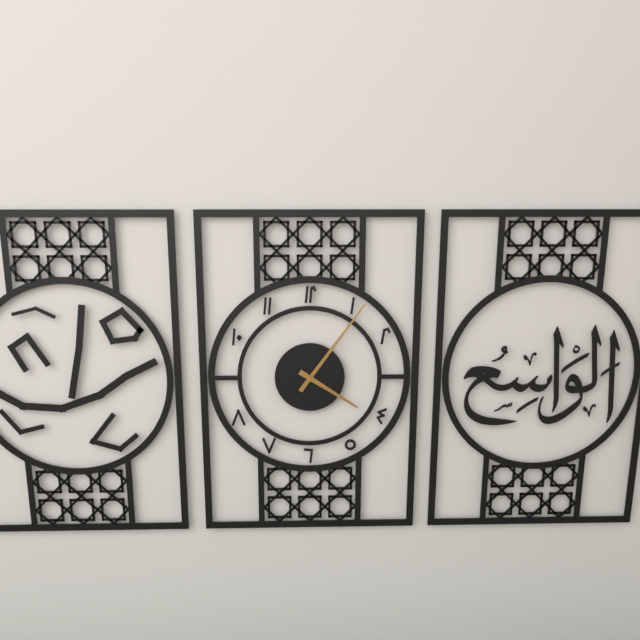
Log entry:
4 h 06 min
